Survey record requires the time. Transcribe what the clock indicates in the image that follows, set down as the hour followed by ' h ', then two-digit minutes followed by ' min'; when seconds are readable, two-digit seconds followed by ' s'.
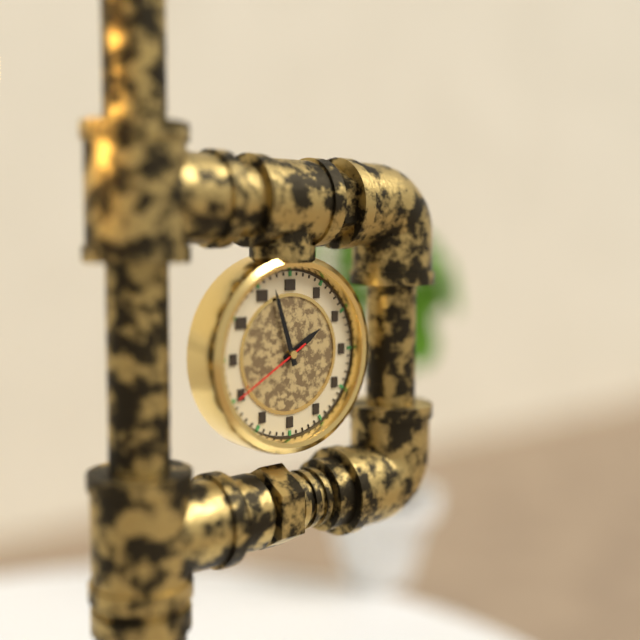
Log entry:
1 h 57 min 40 s
